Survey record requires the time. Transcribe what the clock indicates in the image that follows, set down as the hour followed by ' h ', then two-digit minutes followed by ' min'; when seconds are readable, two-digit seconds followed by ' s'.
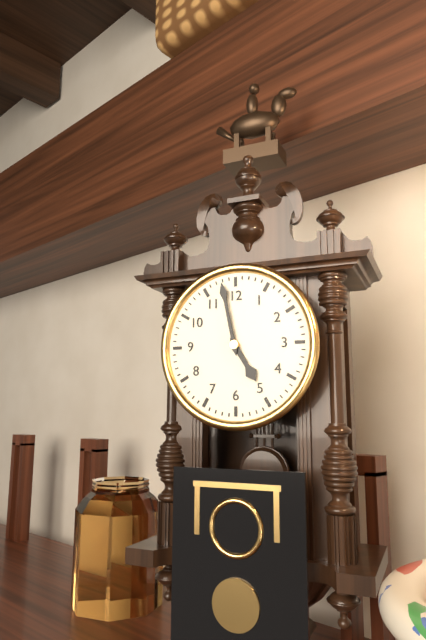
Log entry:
4 h 58 min
